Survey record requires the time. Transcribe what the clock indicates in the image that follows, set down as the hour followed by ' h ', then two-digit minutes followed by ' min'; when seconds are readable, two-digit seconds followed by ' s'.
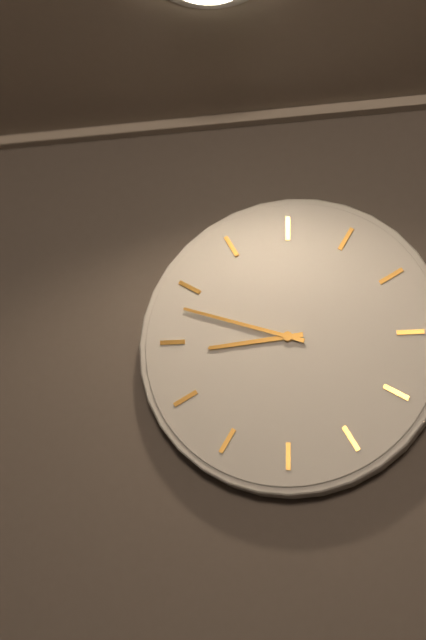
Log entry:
8 h 48 min
